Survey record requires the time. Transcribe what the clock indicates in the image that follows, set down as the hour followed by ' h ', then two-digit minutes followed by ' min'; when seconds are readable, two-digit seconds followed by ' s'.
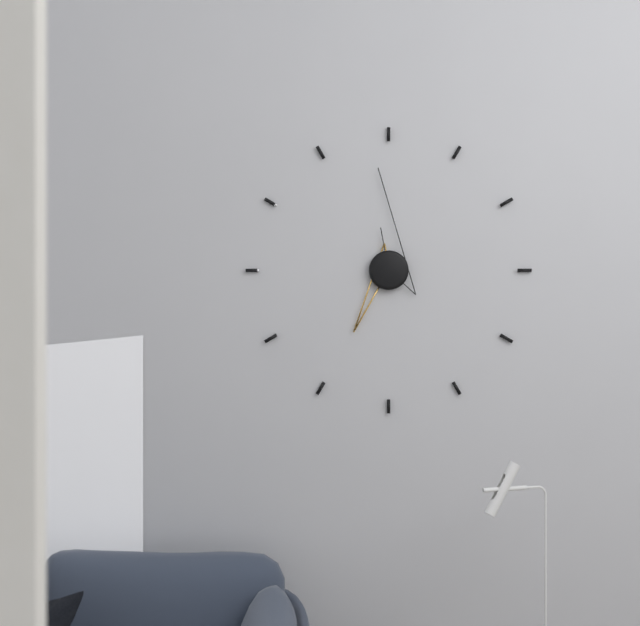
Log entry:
6 h 59 min
